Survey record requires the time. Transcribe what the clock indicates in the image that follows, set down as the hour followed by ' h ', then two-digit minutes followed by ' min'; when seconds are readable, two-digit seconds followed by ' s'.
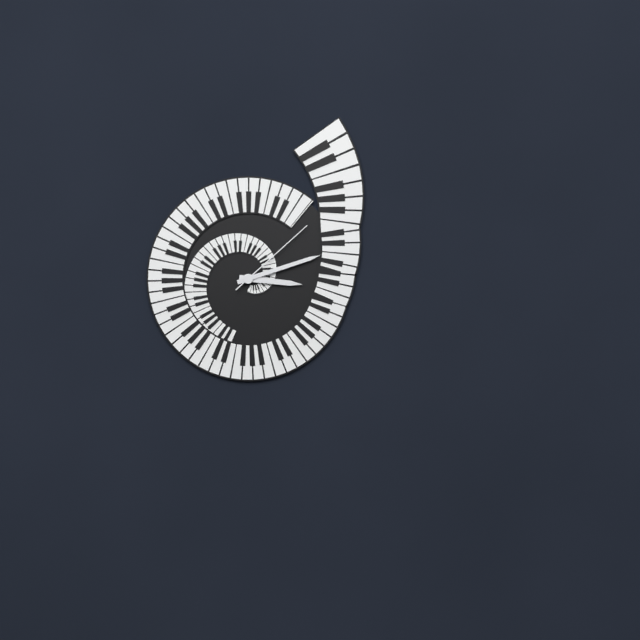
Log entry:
3 h 12 min 08 s
